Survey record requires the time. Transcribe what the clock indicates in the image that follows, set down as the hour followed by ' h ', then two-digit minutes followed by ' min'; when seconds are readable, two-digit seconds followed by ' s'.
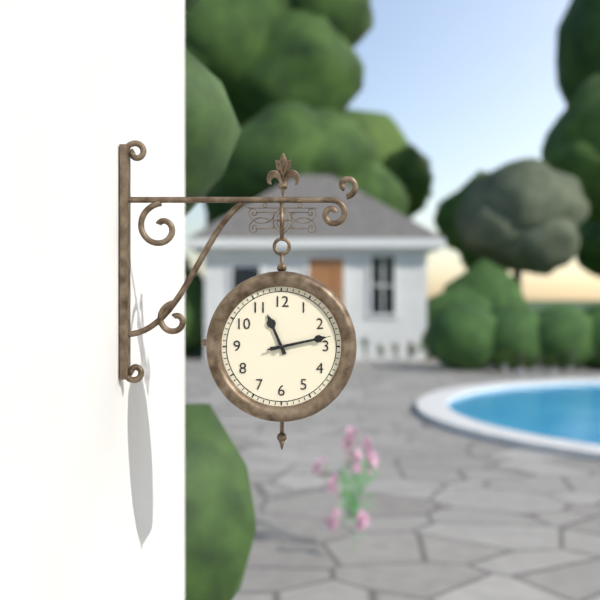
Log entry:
11 h 13 min 13 s
